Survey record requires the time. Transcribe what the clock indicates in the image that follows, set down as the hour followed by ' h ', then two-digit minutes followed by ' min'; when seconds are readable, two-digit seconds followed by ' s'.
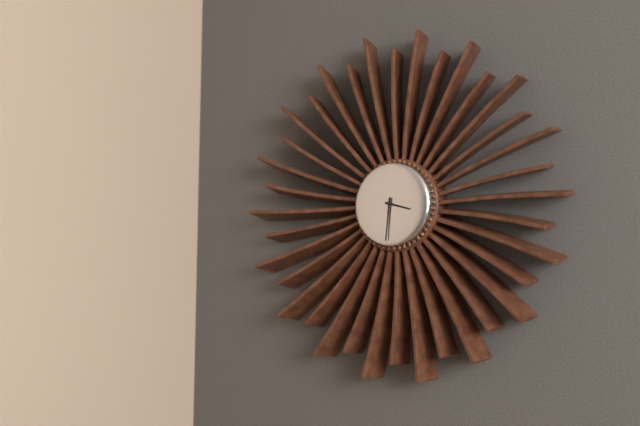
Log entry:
3 h 31 min
